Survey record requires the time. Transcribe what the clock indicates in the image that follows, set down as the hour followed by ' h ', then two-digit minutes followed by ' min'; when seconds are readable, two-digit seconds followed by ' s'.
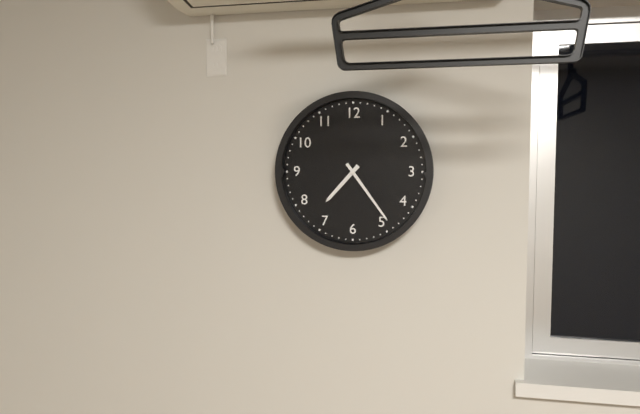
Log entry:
7 h 24 min
